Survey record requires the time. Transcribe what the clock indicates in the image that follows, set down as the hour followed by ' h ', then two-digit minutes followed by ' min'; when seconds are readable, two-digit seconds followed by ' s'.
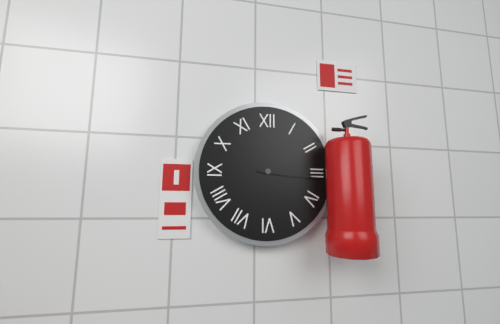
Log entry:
3 h 16 min
